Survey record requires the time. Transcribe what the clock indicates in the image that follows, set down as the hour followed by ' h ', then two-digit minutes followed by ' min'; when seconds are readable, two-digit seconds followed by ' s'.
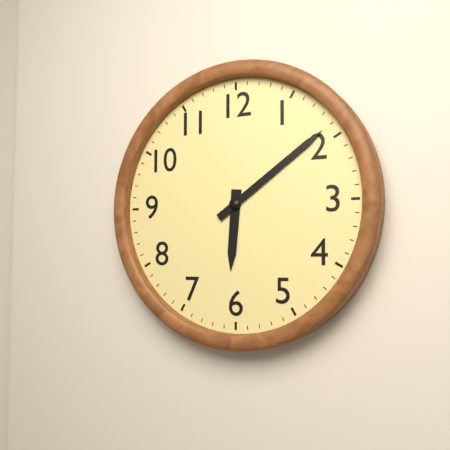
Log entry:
6 h 09 min
